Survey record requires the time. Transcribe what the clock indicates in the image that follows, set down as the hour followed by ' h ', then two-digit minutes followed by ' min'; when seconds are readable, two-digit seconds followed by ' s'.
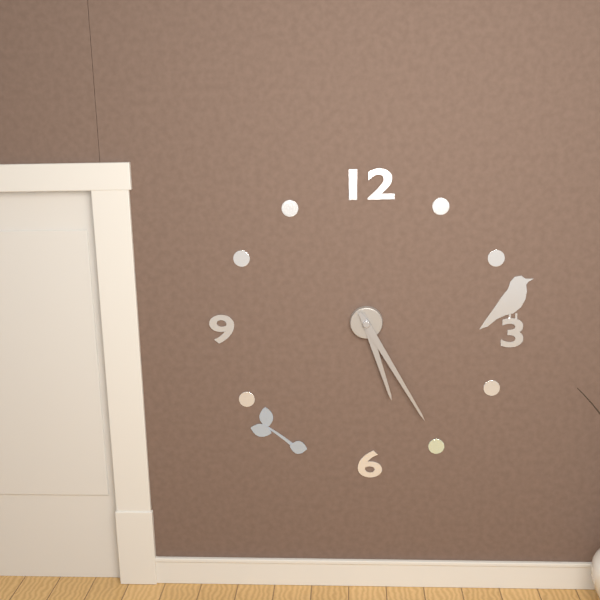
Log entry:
5 h 25 min
